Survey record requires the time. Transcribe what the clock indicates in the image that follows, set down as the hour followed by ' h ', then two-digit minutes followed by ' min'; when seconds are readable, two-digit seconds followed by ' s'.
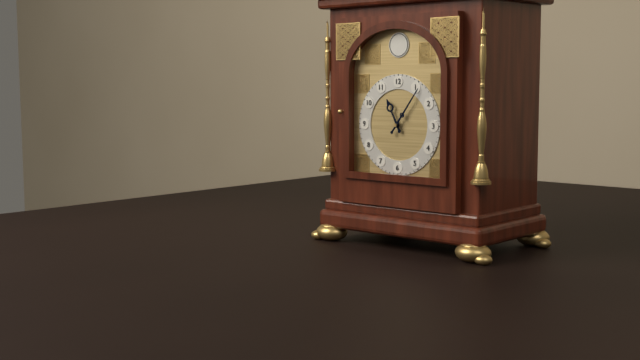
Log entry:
11 h 06 min
